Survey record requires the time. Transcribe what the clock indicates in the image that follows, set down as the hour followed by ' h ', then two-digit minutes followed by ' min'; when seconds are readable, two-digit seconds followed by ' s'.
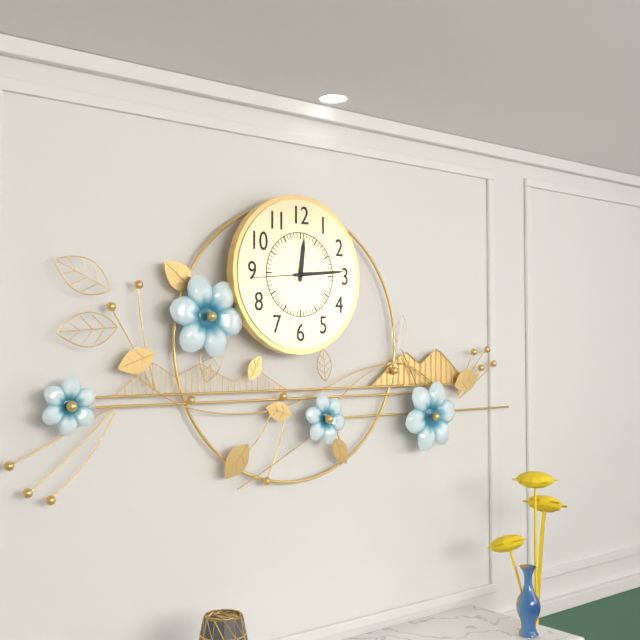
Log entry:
12 h 14 min 44 s
